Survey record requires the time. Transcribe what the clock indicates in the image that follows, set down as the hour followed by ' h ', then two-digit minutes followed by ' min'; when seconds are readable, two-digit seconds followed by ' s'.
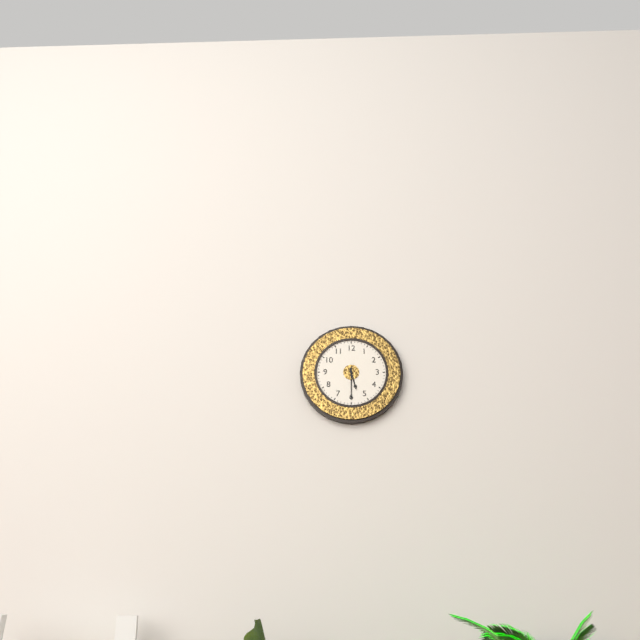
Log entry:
5 h 30 min
